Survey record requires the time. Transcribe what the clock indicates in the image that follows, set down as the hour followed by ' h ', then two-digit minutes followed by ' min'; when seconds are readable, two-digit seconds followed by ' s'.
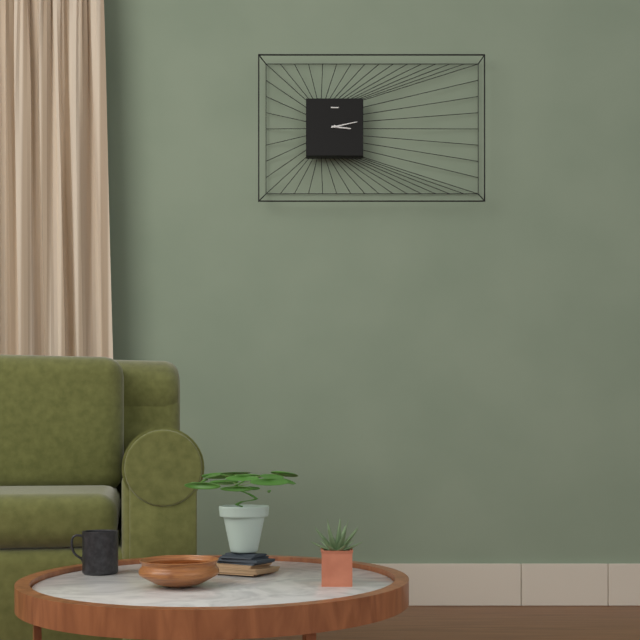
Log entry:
3 h 13 min
